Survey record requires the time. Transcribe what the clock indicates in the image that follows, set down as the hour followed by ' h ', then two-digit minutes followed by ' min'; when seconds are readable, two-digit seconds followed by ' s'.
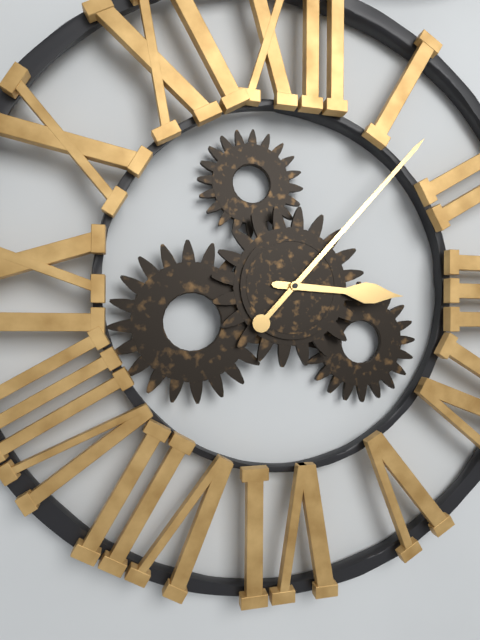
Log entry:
3 h 07 min
